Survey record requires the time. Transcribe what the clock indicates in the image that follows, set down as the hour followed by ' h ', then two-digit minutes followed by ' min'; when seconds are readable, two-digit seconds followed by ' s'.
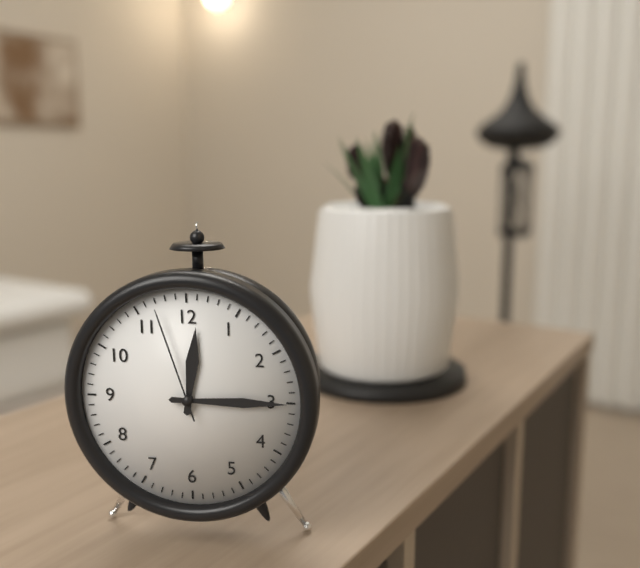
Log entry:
12 h 15 min 57 s
